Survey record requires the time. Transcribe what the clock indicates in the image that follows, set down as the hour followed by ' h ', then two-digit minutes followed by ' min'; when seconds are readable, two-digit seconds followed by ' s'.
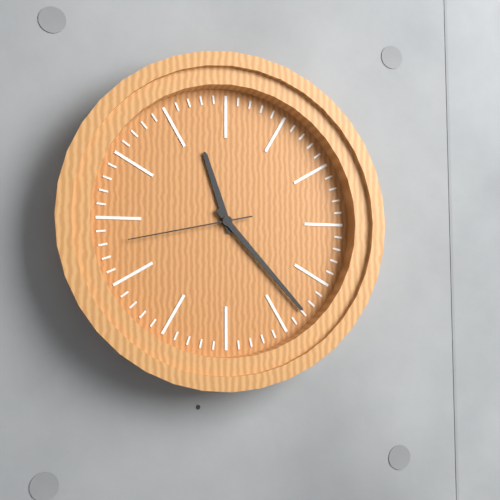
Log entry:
11 h 23 min 43 s
